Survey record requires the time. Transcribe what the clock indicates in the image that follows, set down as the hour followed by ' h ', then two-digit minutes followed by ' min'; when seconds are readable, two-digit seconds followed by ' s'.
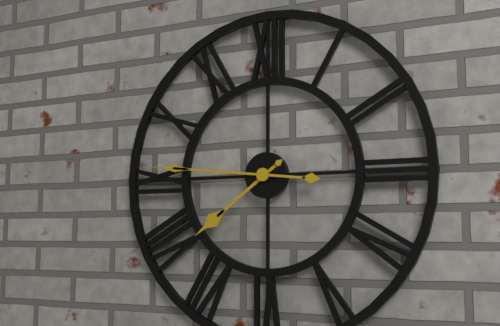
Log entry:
7 h 46 min
